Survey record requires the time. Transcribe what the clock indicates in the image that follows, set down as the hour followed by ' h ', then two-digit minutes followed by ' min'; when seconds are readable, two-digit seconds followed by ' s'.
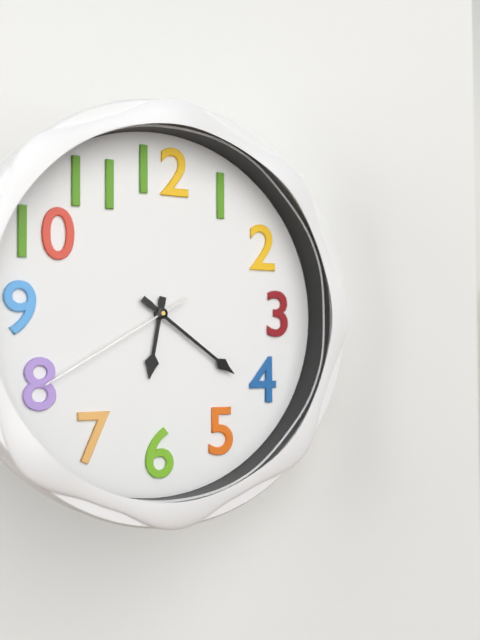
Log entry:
6 h 21 min 40 s
